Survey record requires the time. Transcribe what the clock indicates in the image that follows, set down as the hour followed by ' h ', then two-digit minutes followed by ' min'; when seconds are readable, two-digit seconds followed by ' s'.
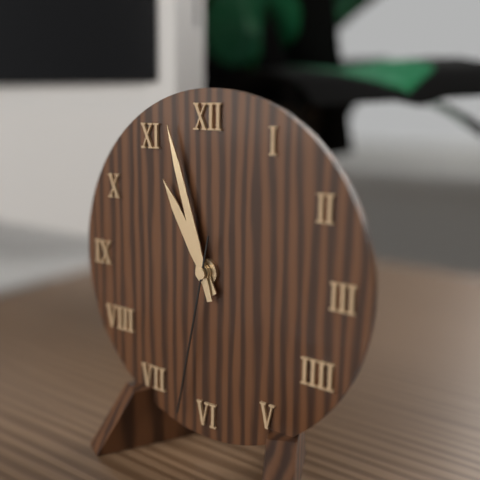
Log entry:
10 h 57 min 32 s
